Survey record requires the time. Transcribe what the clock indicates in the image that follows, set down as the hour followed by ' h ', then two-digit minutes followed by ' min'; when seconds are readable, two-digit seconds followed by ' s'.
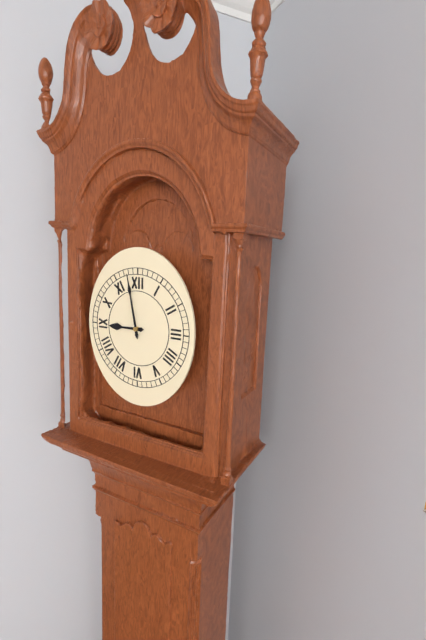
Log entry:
8 h 58 min
